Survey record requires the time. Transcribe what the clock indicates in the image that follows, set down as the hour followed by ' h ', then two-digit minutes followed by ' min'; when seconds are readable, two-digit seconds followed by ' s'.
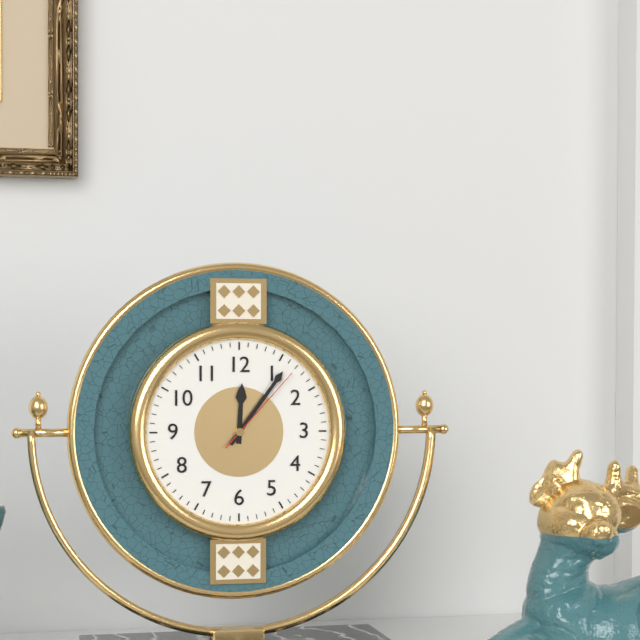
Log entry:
12 h 06 min 07 s
